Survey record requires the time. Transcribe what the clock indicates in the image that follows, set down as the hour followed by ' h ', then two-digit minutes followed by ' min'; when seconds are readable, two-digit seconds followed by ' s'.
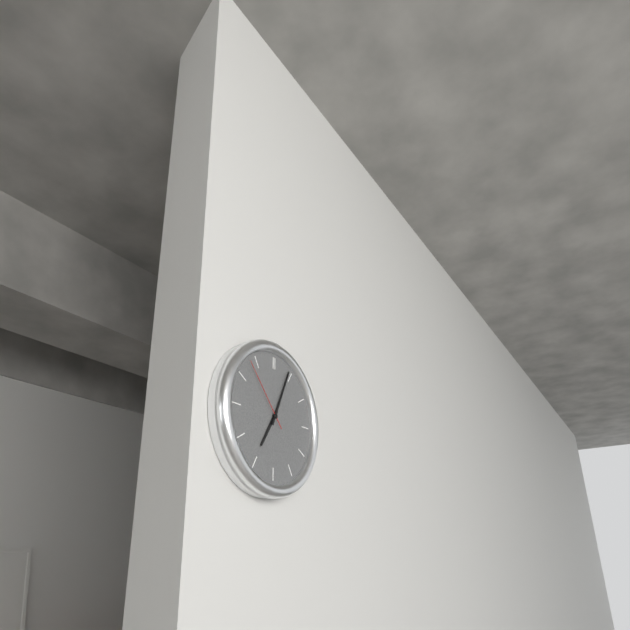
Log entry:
7 h 04 min 53 s
